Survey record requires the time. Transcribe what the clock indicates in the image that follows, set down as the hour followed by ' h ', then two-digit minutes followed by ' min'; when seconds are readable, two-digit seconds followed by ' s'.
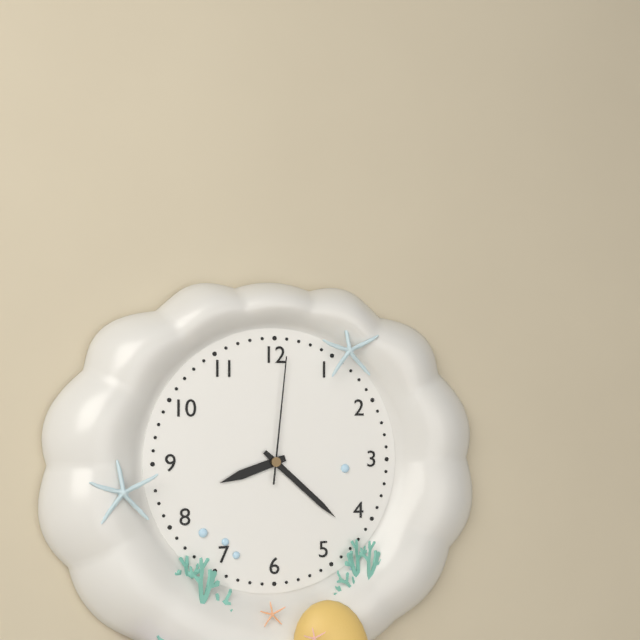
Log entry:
8 h 22 min 01 s
